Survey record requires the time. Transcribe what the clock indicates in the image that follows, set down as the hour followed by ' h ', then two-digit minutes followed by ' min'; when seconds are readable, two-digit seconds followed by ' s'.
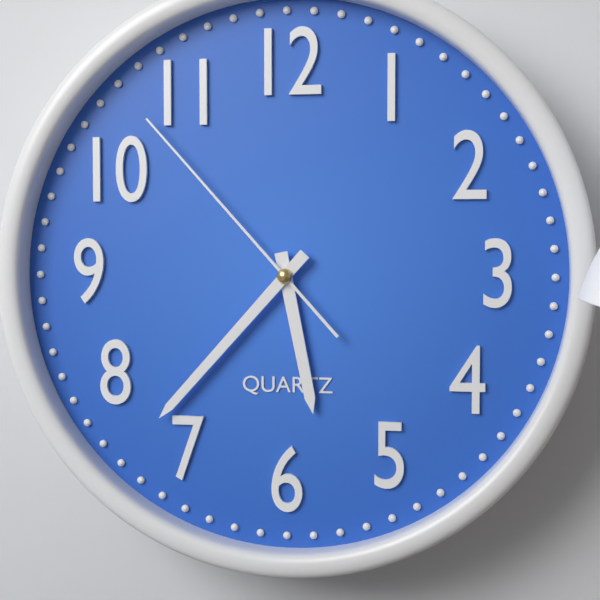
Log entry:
5 h 37 min 53 s
